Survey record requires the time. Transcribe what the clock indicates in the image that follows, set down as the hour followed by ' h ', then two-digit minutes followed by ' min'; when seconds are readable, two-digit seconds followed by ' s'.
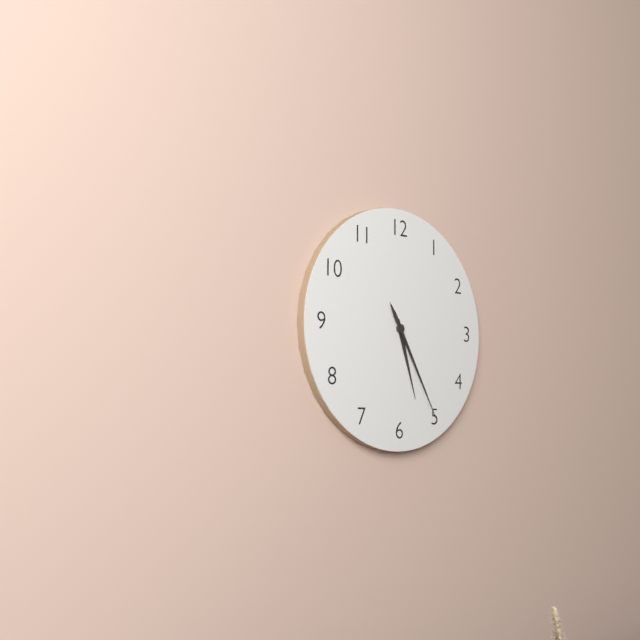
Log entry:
5 h 25 min
